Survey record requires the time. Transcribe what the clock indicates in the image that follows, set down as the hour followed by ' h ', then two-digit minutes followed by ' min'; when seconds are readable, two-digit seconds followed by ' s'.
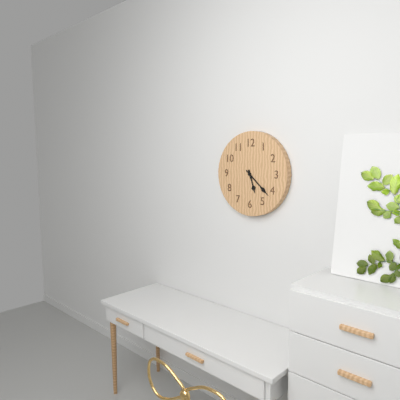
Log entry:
5 h 22 min
